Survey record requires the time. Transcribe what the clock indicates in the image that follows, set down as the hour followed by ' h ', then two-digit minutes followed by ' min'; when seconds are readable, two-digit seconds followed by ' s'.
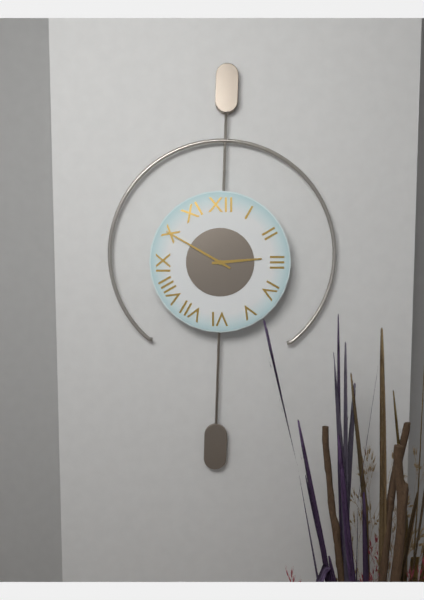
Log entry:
2 h 50 min
